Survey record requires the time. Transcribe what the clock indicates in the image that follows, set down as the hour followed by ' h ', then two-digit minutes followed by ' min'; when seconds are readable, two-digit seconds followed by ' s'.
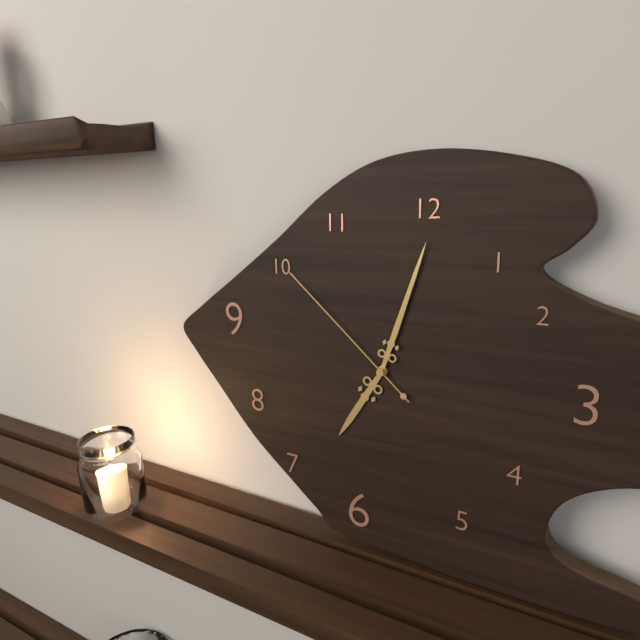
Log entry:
7 h 03 min 52 s
